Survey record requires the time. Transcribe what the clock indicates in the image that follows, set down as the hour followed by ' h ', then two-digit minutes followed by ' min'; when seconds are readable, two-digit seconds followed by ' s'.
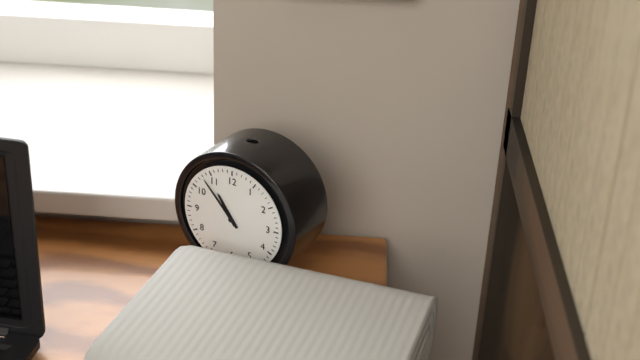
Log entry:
10 h 53 min
